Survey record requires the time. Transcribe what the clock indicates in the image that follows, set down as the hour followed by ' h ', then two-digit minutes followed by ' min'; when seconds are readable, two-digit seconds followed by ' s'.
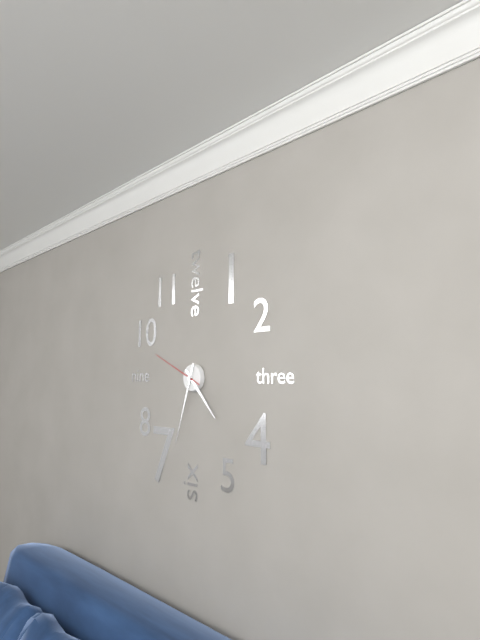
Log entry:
4 h 33 min 49 s
